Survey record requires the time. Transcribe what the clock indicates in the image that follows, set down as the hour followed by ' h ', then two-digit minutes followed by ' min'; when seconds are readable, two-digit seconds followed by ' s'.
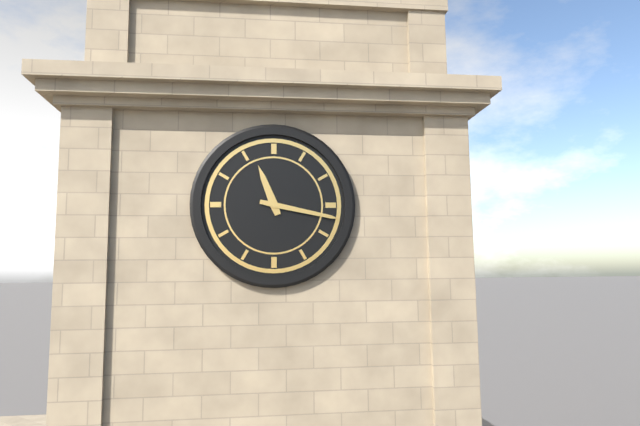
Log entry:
11 h 17 min
